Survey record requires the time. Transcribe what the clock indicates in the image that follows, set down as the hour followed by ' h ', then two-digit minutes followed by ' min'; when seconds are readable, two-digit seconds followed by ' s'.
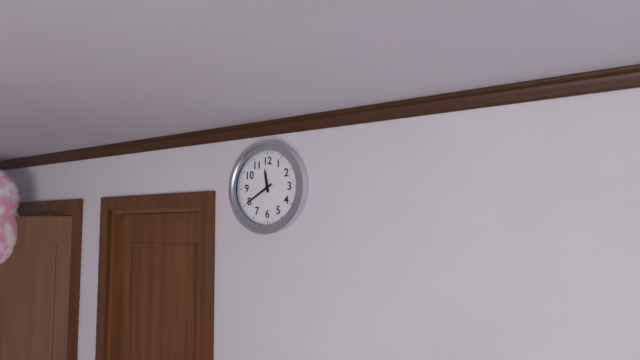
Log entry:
11 h 40 min
